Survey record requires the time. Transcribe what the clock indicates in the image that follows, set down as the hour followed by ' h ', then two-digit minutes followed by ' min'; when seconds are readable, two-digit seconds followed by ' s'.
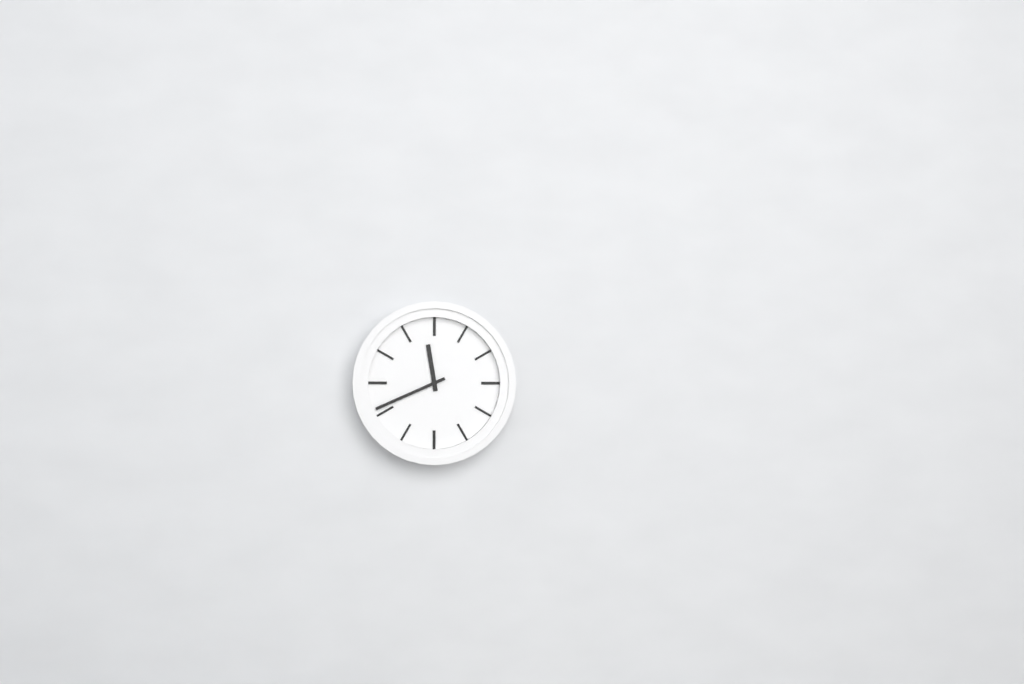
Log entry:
11 h 41 min
